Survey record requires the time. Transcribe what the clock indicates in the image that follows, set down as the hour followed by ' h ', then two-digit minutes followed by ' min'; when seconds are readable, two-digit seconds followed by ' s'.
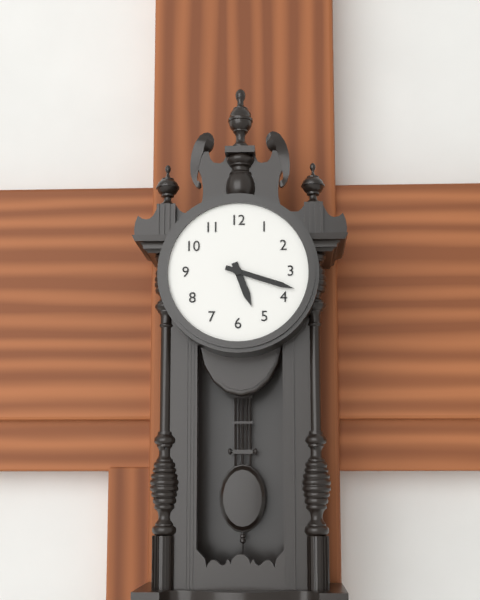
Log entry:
5 h 18 min
